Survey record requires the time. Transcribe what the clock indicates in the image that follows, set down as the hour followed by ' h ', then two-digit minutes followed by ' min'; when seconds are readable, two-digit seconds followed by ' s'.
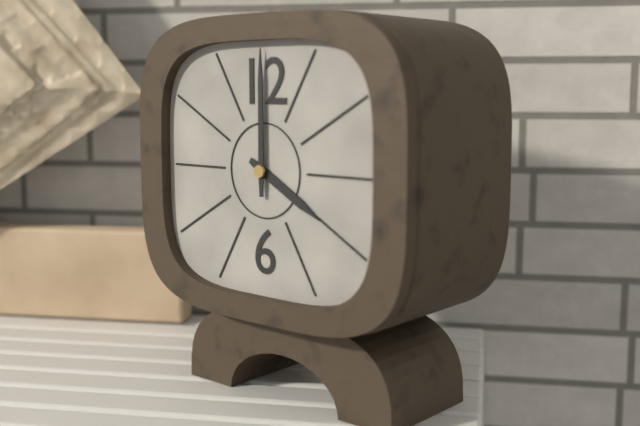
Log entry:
4 h 00 min
